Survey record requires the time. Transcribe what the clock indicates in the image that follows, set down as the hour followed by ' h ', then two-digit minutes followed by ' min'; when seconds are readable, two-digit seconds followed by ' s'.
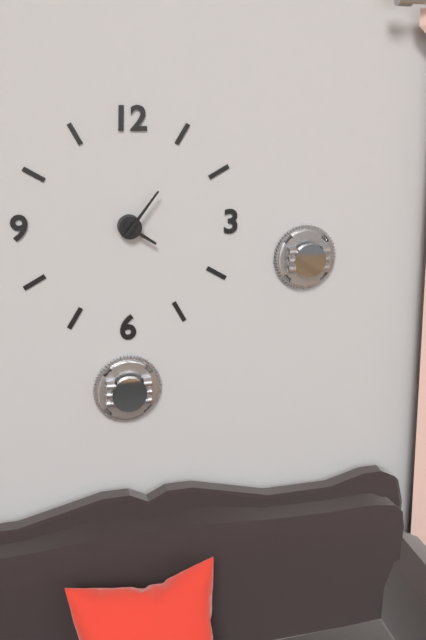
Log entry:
4 h 06 min
